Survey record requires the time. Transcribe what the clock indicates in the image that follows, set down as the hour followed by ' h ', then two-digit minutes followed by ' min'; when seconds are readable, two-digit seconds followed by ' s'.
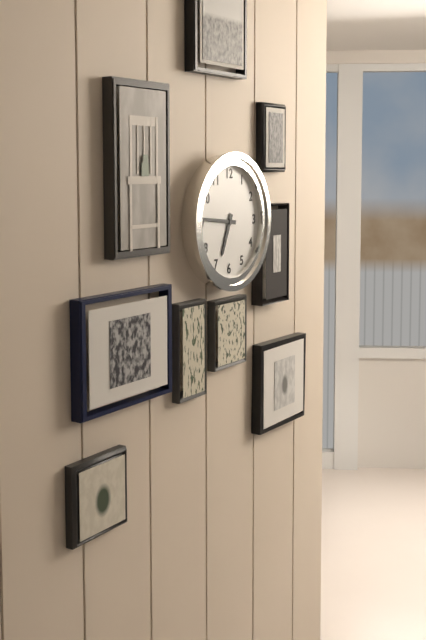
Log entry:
6 h 46 min
